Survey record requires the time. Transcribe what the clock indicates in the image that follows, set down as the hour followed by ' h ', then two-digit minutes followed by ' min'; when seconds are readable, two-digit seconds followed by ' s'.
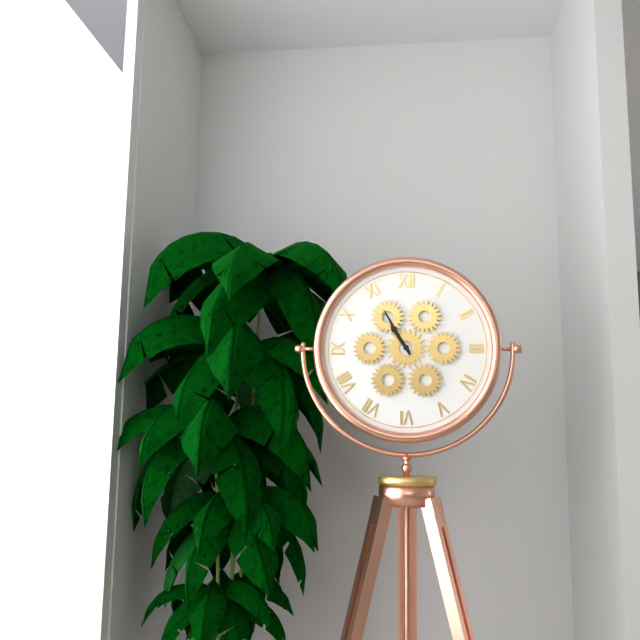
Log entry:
10 h 55 min
